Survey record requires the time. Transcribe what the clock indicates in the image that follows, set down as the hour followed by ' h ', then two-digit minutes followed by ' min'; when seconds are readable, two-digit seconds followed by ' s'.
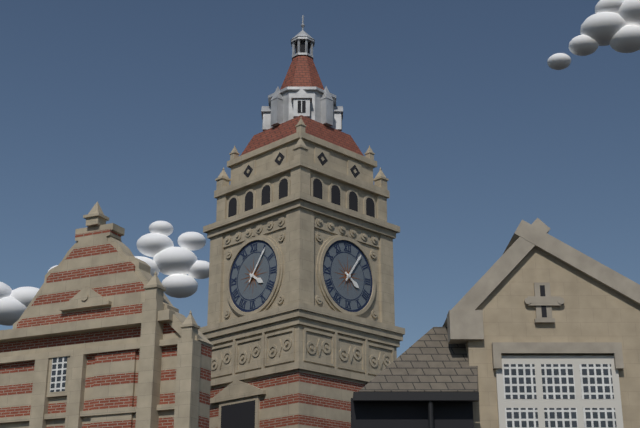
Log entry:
4 h 06 min
